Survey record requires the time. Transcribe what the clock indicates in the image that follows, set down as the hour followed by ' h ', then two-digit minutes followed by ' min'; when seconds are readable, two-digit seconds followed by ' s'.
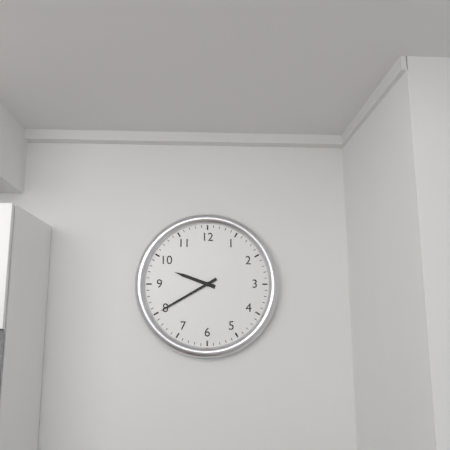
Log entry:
9 h 40 min
